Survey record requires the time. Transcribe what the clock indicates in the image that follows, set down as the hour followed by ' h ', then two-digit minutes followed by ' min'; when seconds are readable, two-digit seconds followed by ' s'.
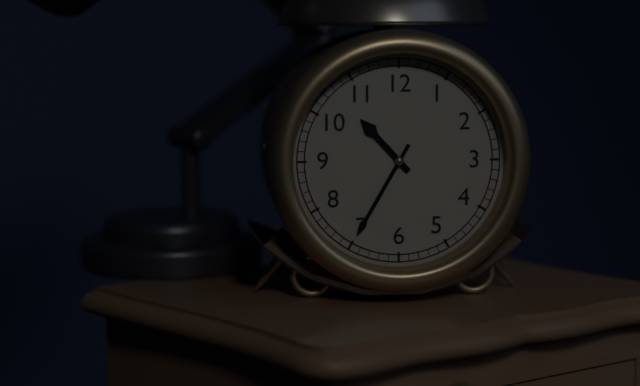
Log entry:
10 h 35 min
